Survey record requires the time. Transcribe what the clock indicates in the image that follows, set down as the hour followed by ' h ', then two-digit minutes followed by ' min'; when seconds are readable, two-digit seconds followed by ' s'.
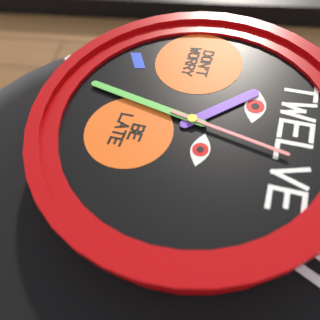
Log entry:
10 h 32 min 02 s
